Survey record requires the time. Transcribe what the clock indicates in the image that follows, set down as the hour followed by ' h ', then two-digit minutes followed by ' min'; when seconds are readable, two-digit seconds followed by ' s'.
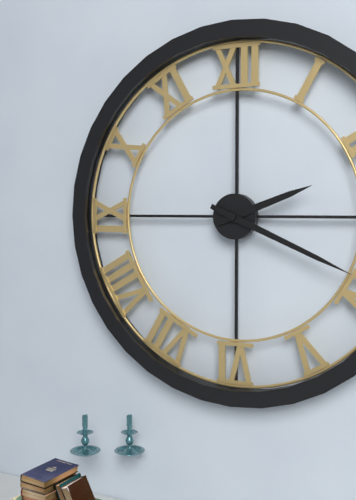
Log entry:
2 h 19 min
